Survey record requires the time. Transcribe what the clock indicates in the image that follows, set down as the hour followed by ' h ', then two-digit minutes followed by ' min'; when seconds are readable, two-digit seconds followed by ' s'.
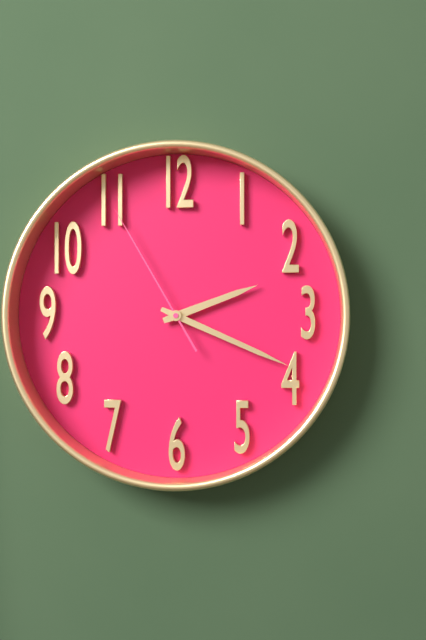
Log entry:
2 h 19 min 55 s
